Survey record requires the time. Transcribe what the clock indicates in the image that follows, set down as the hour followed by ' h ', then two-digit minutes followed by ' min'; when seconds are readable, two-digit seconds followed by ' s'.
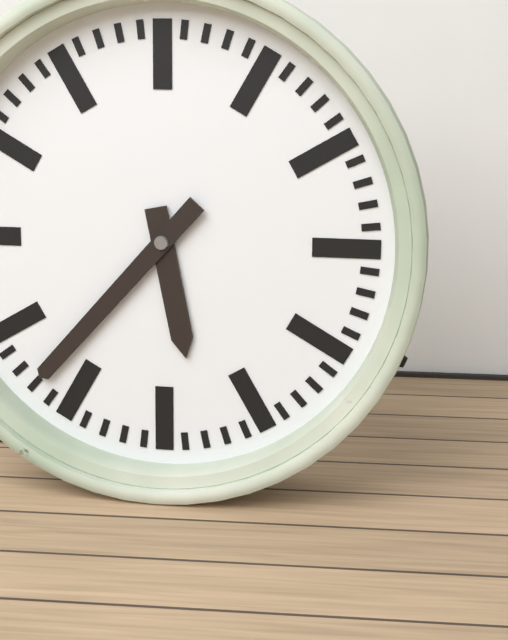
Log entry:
5 h 37 min
